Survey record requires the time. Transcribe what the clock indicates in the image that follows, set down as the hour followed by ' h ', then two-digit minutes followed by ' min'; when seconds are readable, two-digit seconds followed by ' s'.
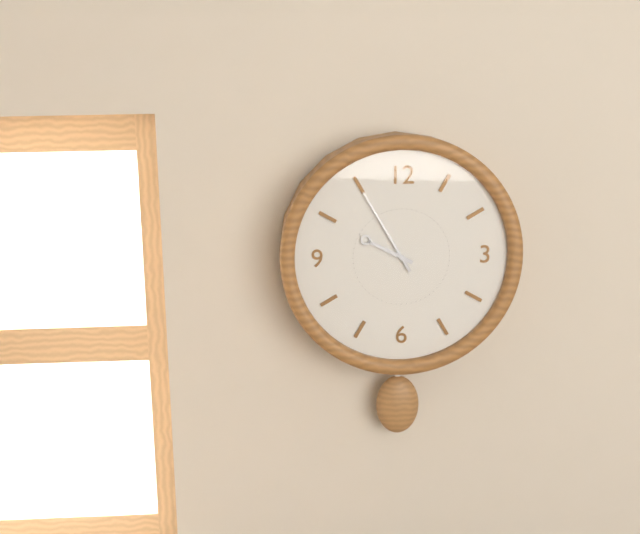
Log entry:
9 h 55 min
